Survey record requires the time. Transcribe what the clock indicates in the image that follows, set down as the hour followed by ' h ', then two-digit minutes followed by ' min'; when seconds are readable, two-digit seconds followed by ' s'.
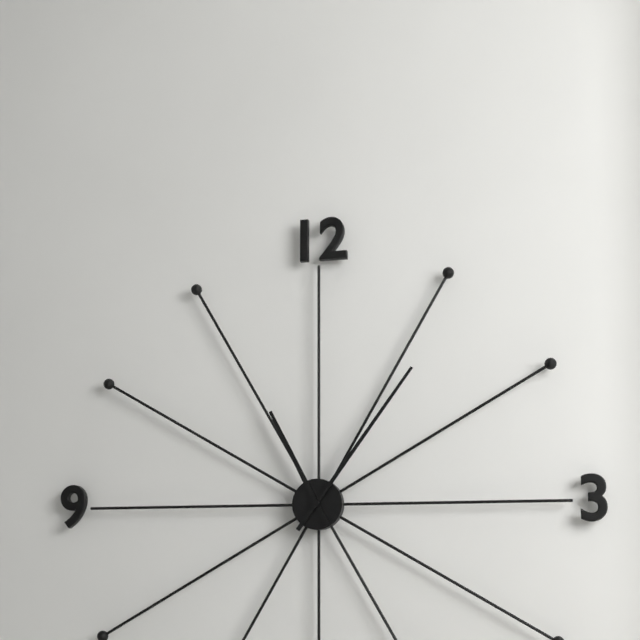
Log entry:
11 h 06 min
